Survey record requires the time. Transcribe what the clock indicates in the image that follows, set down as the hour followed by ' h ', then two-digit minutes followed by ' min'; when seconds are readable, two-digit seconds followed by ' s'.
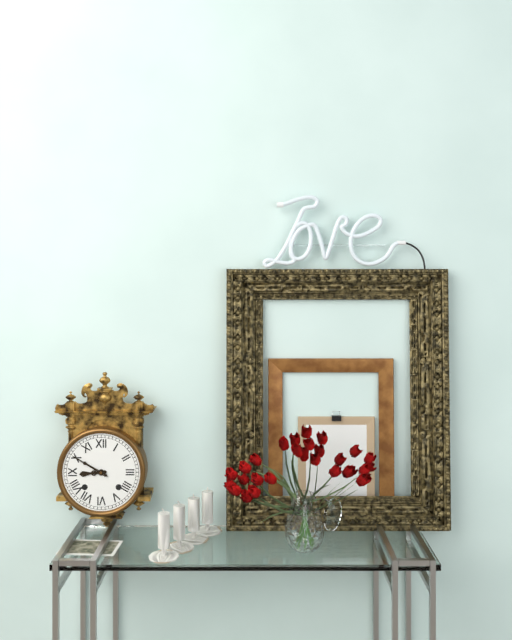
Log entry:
8 h 50 min
